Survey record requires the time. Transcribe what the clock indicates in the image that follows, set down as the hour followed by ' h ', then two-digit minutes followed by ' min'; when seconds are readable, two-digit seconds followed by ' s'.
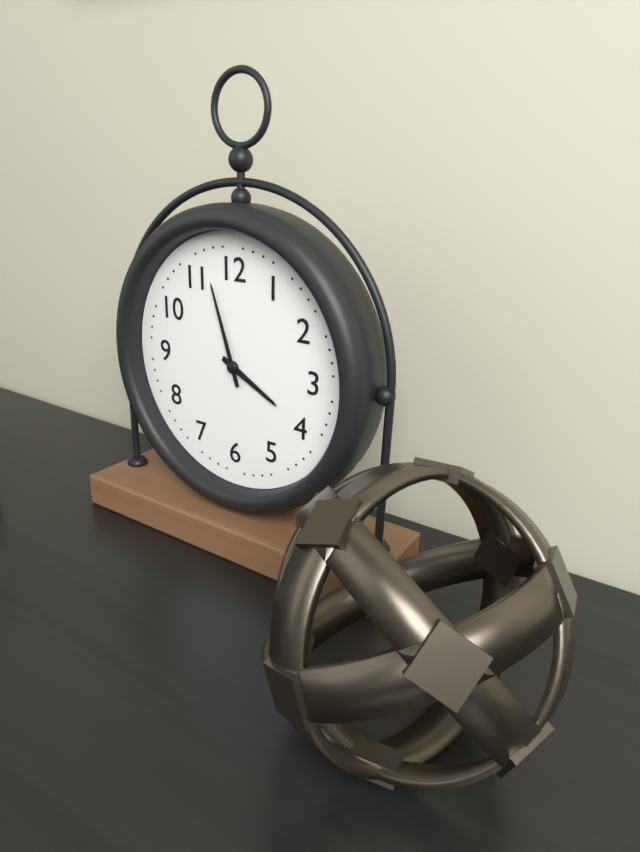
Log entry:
3 h 57 min
